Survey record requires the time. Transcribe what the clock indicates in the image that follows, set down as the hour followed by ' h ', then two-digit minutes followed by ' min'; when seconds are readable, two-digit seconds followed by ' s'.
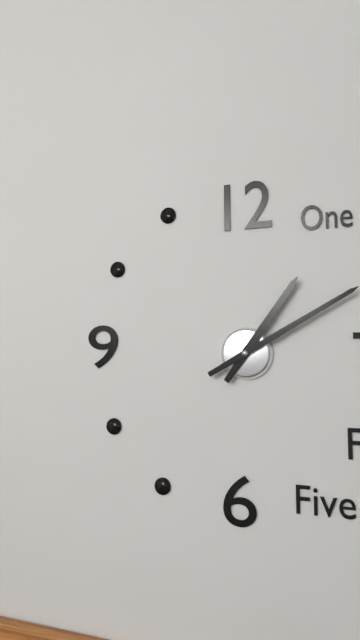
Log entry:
1 h 10 min
